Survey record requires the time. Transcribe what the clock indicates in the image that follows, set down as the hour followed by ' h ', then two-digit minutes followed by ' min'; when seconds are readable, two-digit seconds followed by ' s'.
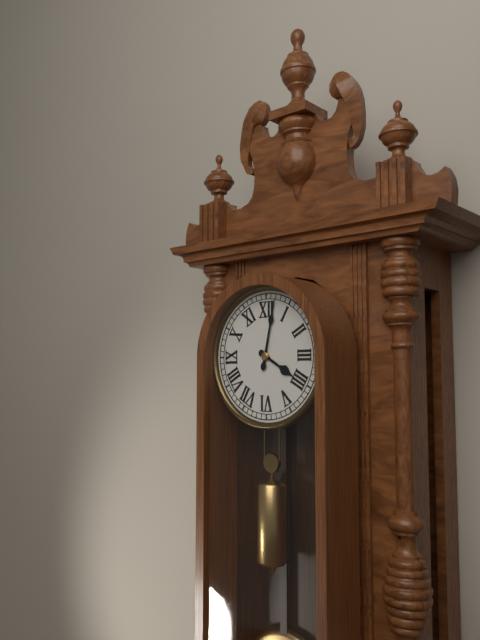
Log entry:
4 h 02 min
